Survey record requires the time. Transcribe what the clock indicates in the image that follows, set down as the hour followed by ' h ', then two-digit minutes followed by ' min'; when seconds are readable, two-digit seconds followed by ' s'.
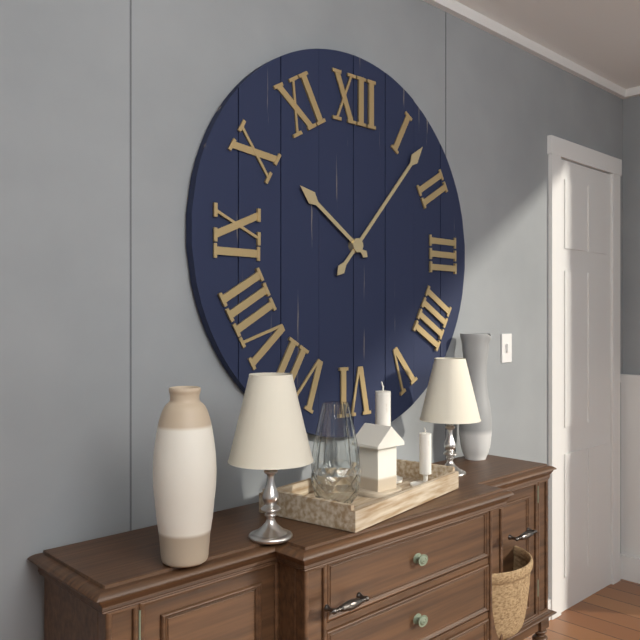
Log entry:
10 h 07 min
